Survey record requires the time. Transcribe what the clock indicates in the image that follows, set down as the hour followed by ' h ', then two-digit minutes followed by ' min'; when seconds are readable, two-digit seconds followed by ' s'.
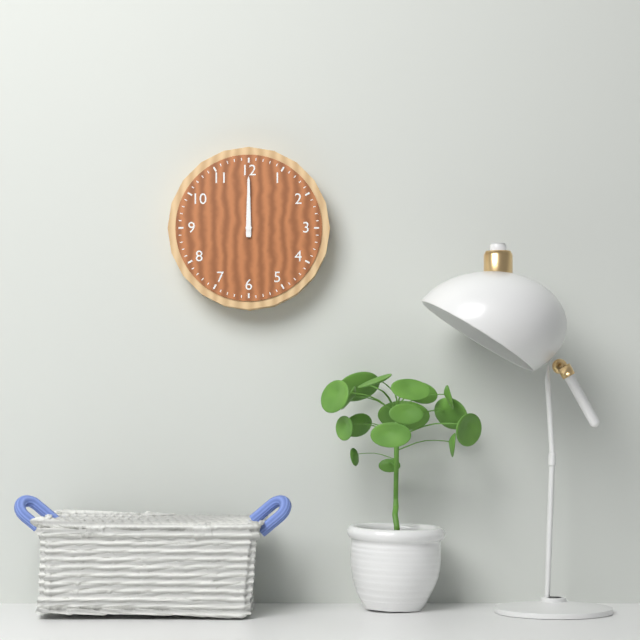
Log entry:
12 h 00 min
